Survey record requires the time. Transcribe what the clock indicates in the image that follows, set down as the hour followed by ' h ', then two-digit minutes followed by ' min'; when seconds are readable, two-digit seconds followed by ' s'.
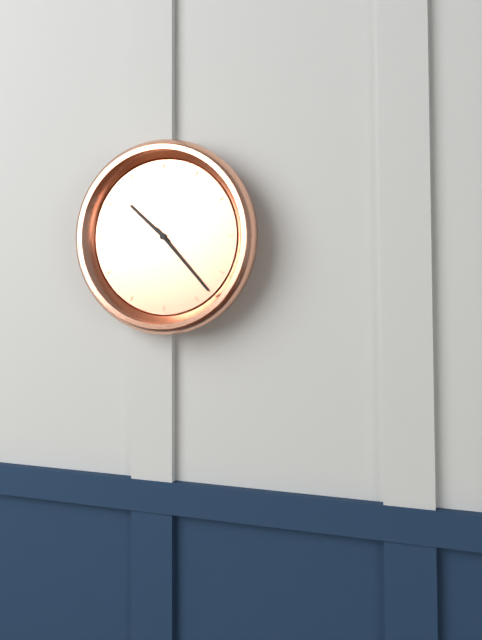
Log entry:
10 h 23 min
